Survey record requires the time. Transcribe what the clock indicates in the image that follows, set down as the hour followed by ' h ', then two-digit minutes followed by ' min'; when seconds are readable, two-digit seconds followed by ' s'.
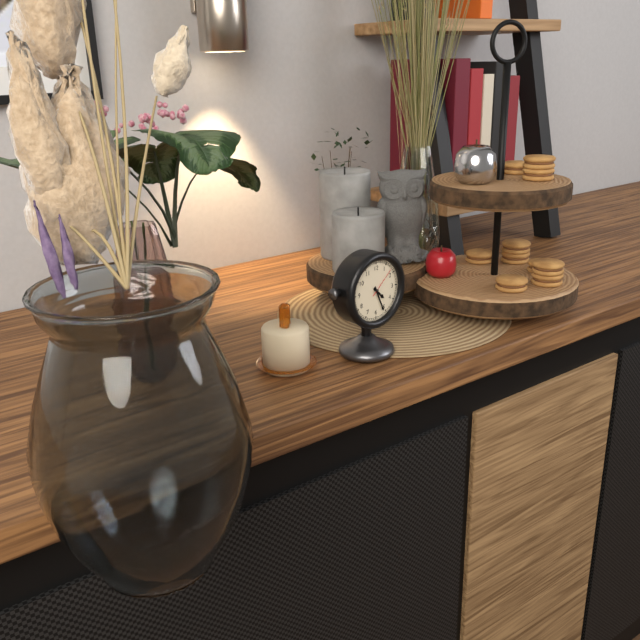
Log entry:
4 h 26 min
